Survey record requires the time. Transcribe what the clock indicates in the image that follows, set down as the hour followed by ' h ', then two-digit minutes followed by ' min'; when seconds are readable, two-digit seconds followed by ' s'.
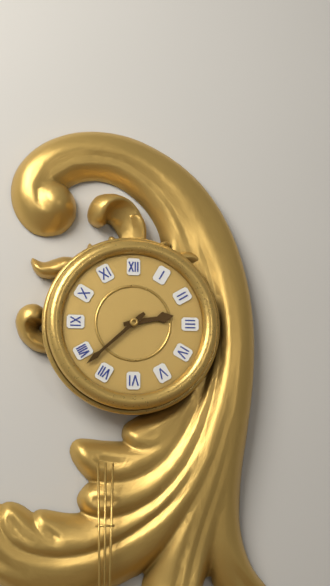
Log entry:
2 h 38 min
